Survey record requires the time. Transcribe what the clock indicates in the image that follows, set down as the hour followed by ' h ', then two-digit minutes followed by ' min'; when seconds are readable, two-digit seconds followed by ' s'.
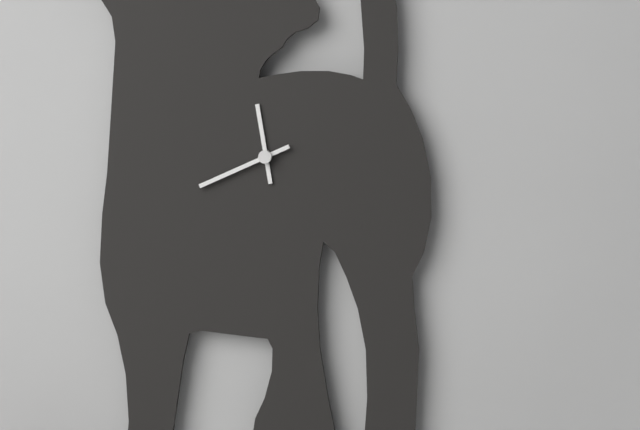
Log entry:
11 h 41 min
